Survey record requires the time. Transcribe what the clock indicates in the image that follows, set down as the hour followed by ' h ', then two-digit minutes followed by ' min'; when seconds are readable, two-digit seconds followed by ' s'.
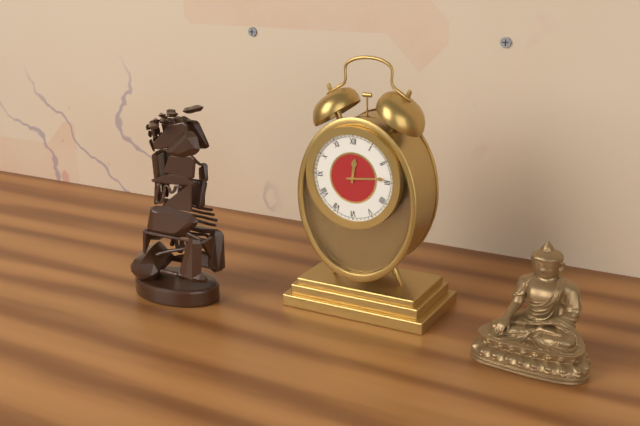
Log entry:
12 h 14 min
